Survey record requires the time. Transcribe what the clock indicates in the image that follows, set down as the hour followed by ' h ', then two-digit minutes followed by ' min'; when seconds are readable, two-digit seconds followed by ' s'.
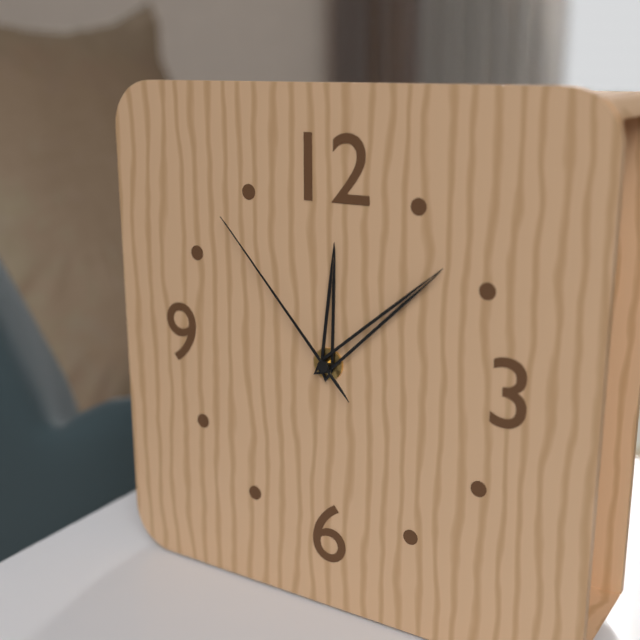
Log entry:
12 h 08 min 53 s
